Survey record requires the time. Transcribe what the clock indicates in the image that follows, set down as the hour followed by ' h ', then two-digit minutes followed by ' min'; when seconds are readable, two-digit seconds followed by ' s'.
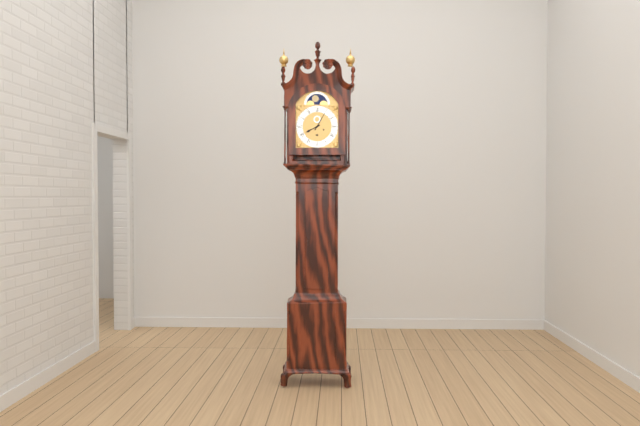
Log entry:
8 h 05 min
